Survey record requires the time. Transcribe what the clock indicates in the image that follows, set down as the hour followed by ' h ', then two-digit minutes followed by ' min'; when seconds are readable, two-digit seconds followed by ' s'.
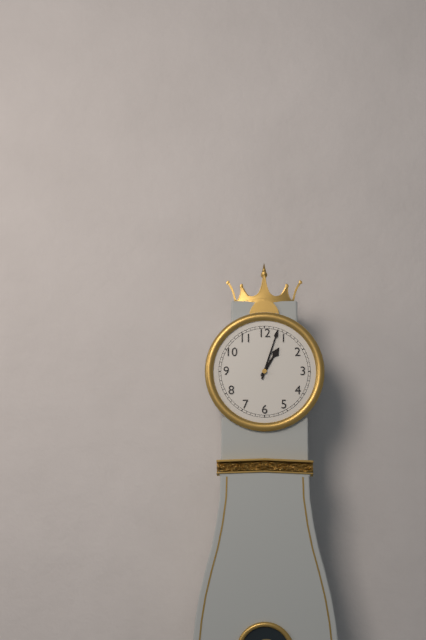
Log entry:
1 h 03 min
